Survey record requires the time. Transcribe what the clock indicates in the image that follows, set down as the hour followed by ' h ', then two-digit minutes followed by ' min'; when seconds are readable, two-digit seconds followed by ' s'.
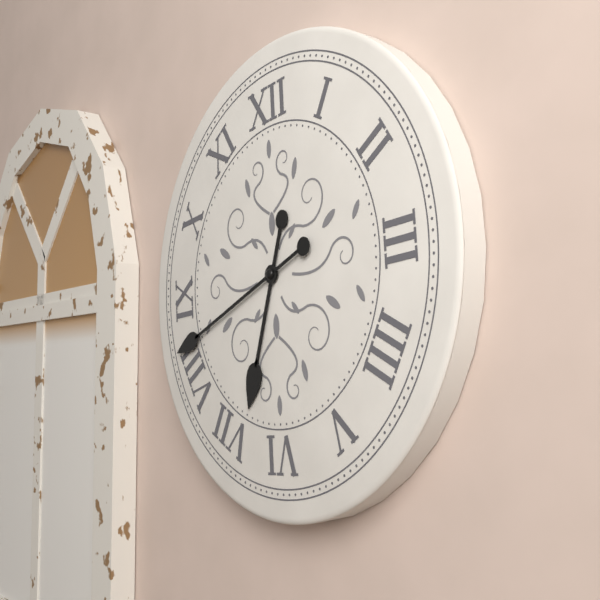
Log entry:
6 h 42 min
